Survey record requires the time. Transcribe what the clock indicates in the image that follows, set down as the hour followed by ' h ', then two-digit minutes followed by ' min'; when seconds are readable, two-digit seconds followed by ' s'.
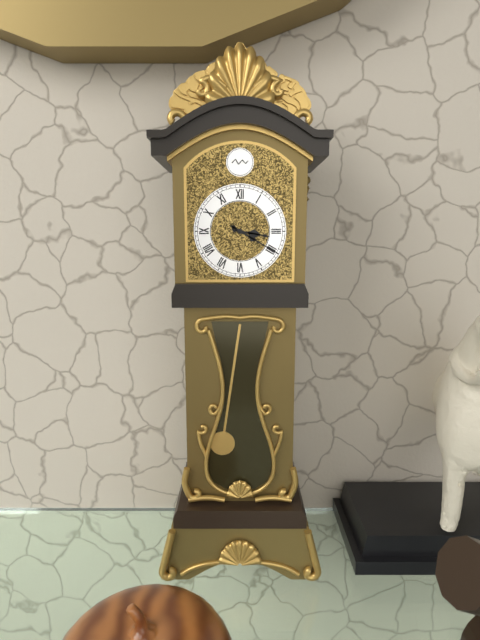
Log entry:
3 h 20 min
